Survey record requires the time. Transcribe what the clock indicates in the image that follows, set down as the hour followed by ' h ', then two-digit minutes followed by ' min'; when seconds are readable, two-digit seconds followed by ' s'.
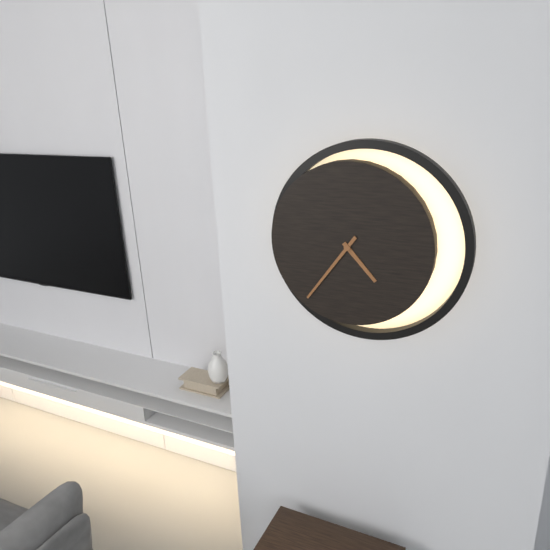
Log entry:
4 h 36 min
